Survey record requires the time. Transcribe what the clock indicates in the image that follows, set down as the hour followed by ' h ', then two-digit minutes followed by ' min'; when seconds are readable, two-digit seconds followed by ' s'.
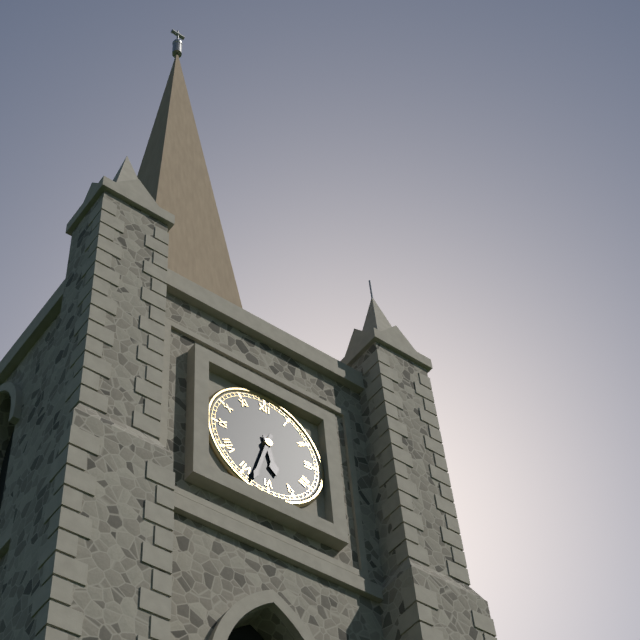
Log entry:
5 h 33 min
